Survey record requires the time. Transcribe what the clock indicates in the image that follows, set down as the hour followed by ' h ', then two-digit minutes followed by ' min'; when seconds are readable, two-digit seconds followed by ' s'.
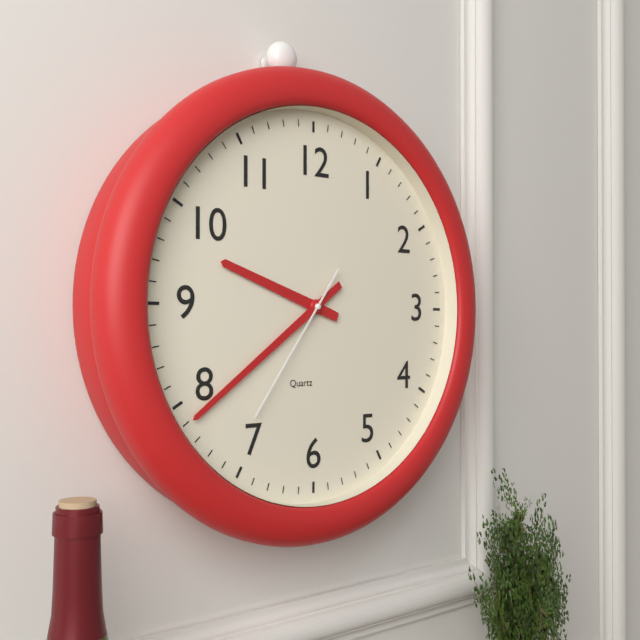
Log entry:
9 h 39 min 36 s
